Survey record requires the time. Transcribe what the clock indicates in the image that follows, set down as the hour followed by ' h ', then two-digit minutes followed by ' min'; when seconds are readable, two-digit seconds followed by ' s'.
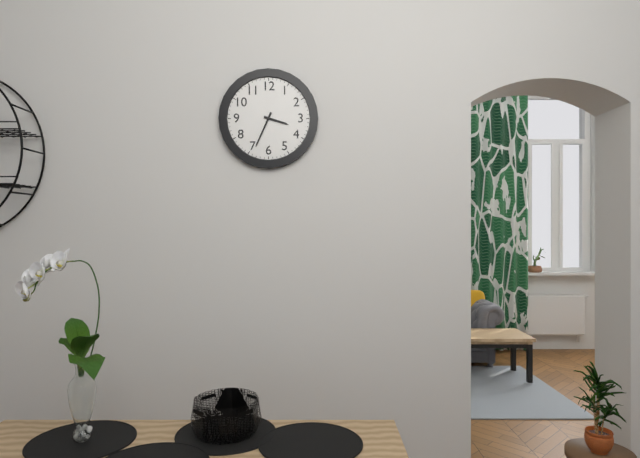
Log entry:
3 h 34 min
